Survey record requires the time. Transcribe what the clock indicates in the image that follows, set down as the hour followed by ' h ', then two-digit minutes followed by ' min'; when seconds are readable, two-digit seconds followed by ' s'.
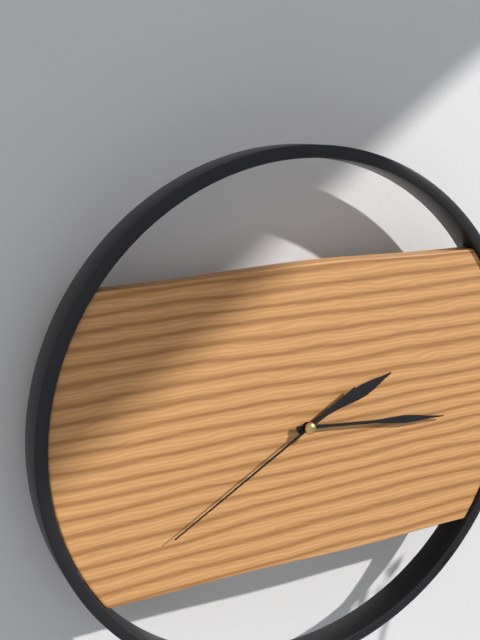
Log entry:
2 h 16 min 40 s
